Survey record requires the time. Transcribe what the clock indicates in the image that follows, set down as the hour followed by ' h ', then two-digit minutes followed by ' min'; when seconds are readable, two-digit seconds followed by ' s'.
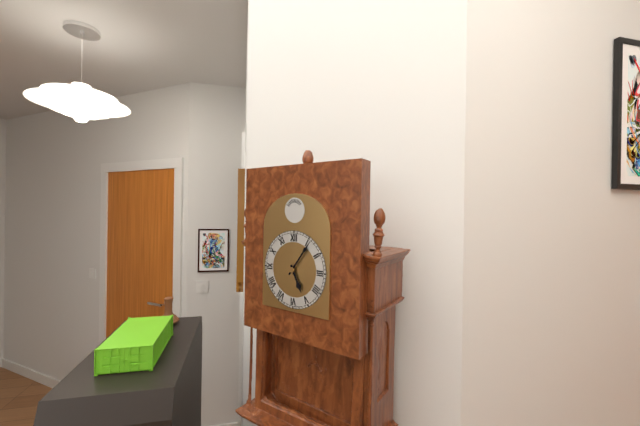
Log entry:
5 h 06 min
